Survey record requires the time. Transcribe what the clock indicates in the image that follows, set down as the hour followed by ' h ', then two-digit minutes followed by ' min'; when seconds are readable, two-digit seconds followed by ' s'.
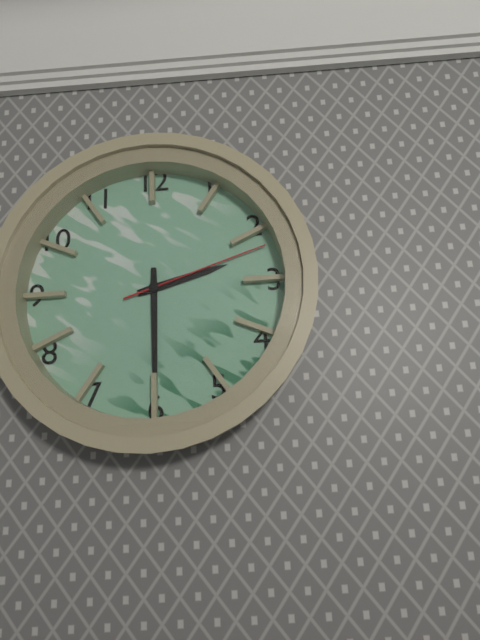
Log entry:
2 h 30 min 12 s
